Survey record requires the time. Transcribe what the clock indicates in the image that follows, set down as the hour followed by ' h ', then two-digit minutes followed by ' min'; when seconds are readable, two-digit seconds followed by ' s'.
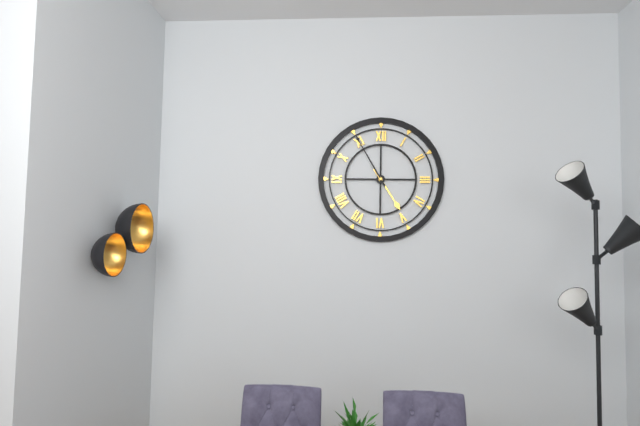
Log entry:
4 h 55 min
